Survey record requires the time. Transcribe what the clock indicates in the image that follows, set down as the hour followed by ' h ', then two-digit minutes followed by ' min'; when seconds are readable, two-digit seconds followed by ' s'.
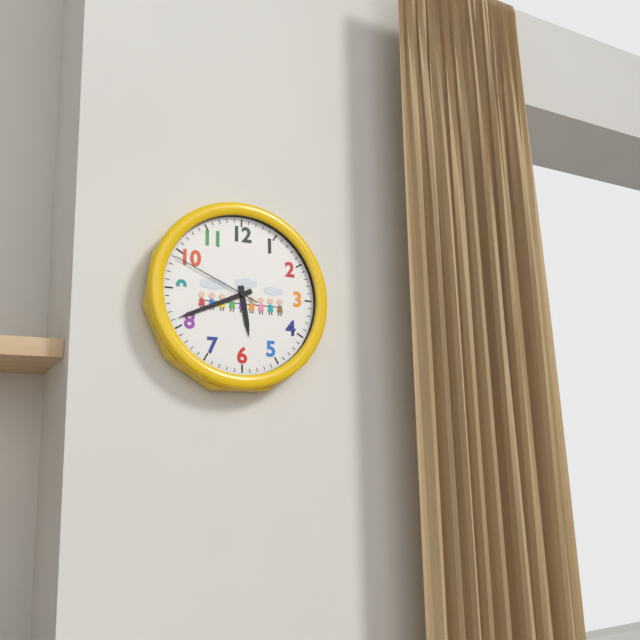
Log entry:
5 h 41 min 49 s
